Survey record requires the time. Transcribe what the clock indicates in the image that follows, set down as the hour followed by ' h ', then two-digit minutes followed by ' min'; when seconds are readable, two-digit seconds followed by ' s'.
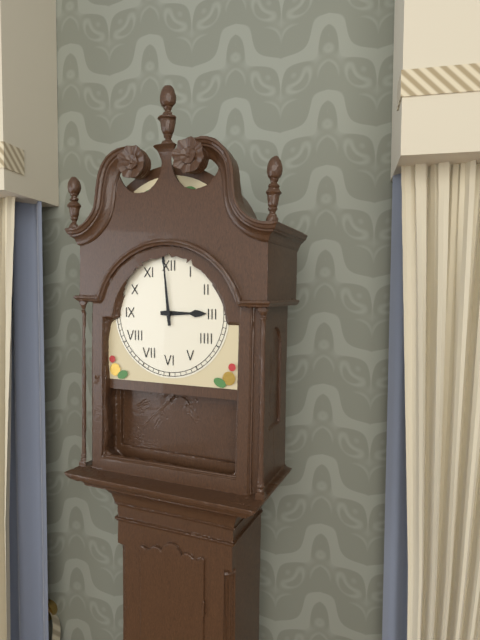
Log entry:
2 h 59 min
